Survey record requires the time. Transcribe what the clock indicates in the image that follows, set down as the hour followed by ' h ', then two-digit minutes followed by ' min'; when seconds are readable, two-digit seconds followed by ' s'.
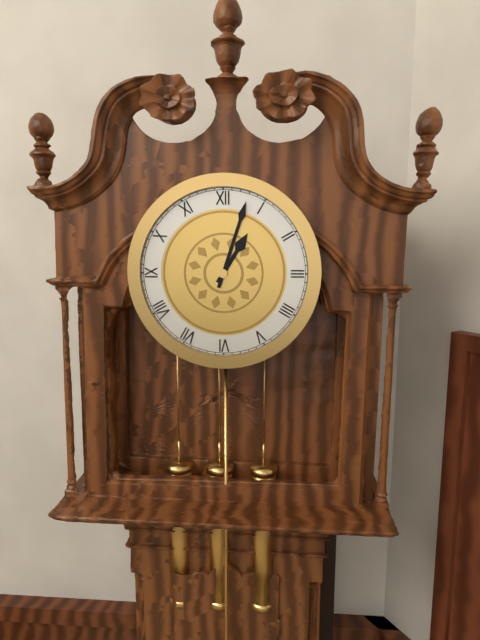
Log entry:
1 h 03 min
